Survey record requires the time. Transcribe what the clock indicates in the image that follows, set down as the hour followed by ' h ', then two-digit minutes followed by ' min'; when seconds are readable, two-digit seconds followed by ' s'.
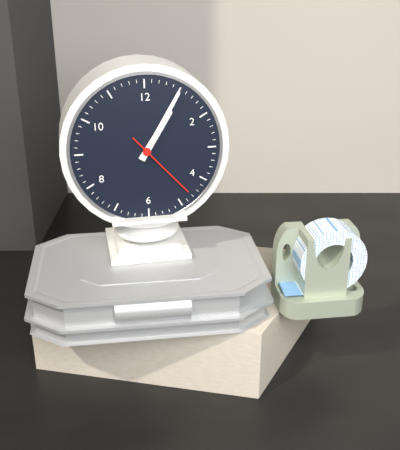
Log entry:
1 h 05 min 23 s
